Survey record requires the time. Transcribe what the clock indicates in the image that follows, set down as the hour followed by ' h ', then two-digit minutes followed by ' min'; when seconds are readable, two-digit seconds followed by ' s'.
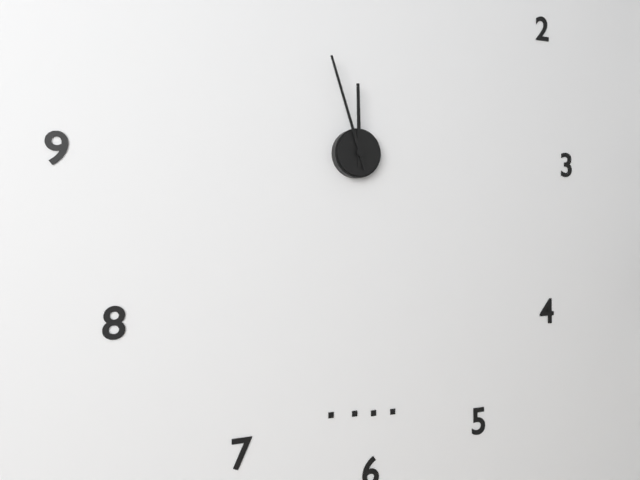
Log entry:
11 h 57 min
